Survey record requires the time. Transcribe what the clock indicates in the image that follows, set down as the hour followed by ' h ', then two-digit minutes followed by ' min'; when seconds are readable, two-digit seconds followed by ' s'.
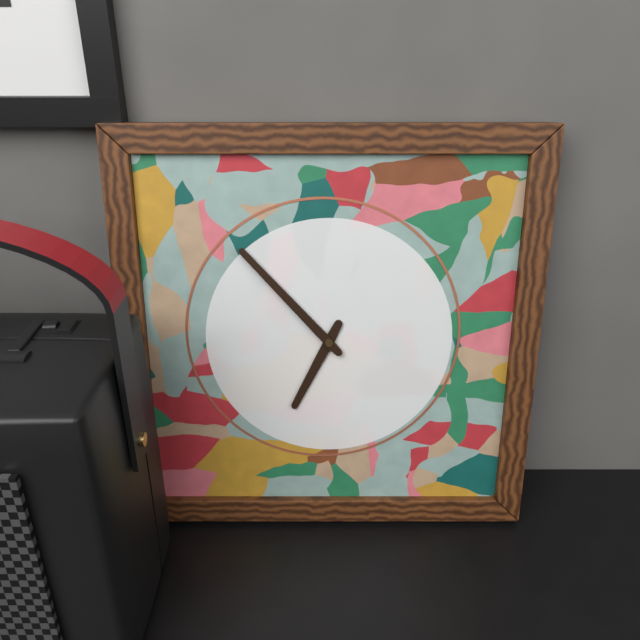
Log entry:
6 h 53 min
